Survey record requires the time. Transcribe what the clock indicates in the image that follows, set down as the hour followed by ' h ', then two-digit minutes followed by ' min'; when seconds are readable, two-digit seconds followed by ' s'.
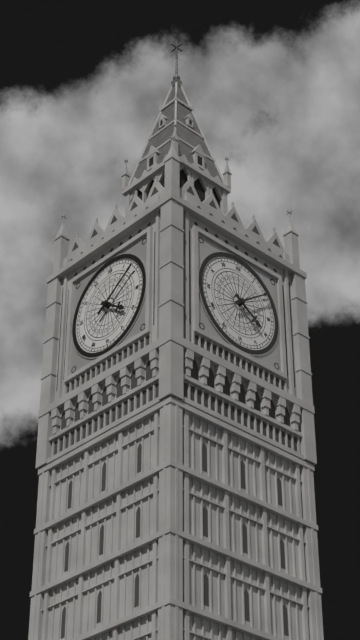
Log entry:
4 h 09 min
